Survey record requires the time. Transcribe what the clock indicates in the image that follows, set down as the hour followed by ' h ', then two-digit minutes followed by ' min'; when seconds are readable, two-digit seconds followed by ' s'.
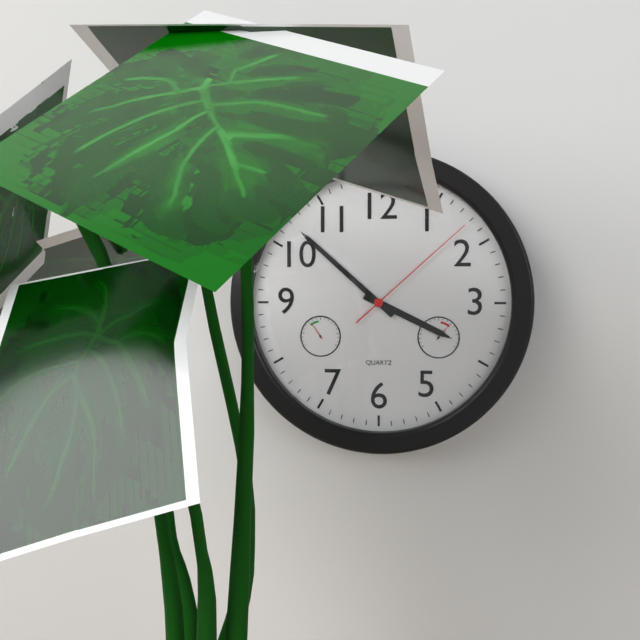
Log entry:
3 h 52 min 08 s
